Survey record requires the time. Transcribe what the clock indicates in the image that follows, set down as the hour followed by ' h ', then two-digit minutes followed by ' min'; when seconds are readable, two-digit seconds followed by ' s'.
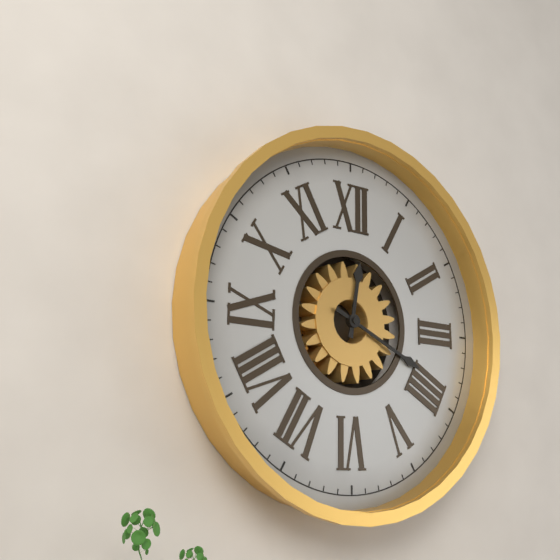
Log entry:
12 h 19 min
